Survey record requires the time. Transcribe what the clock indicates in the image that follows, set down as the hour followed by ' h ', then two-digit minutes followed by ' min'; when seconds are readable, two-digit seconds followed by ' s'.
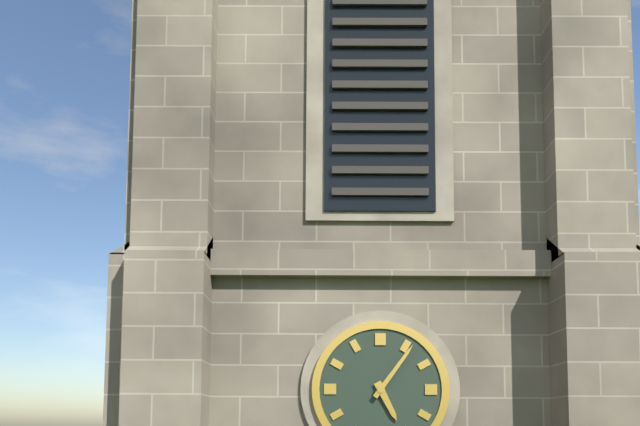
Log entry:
5 h 06 min
